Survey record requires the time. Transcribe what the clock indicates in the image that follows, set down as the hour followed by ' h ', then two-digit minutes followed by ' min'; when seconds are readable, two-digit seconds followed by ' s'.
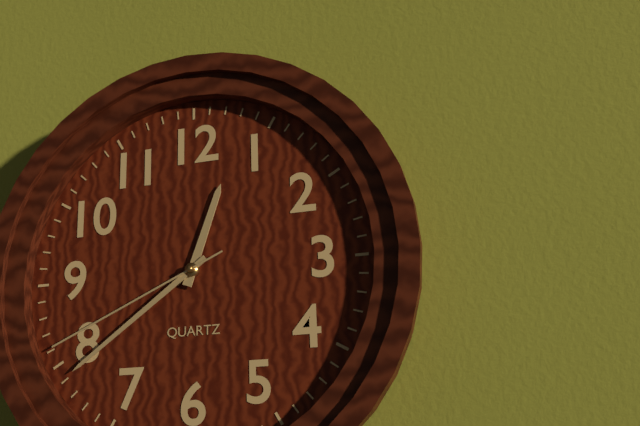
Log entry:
12 h 39 min 41 s
